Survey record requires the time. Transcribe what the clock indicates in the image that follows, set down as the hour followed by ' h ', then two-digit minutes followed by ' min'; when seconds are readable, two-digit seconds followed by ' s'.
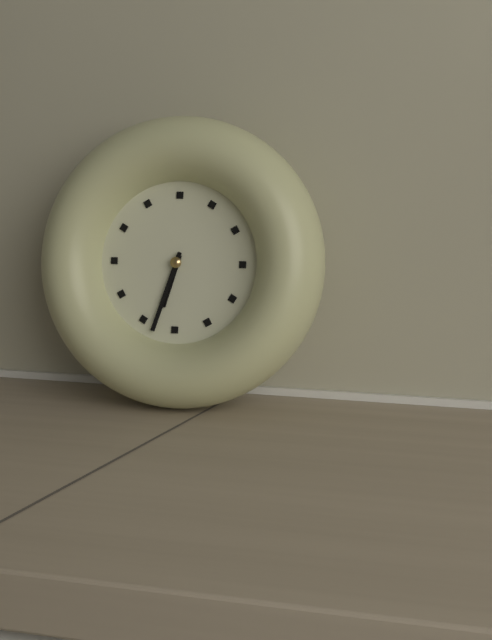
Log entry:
6 h 33 min
